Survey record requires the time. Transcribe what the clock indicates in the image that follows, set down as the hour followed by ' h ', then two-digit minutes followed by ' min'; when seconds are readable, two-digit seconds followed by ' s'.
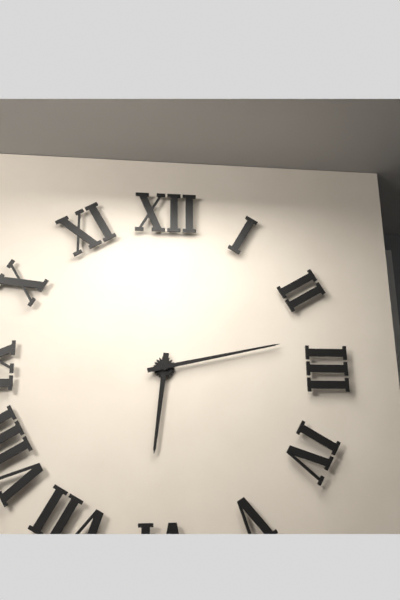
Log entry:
6 h 13 min
